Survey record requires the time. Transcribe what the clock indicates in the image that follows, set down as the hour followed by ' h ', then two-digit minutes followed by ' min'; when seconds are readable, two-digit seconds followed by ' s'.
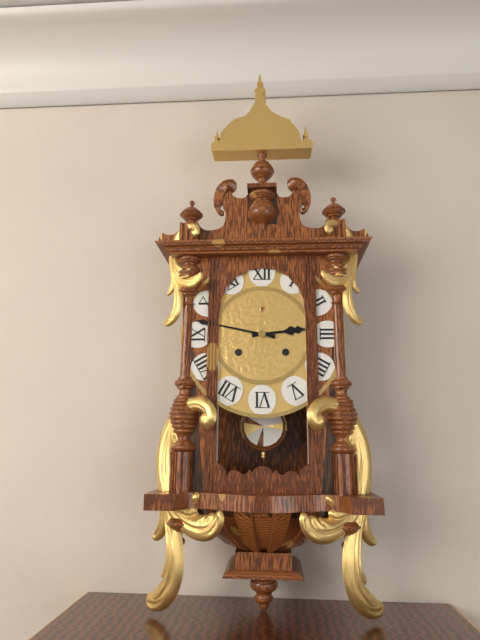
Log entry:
2 h 47 min
